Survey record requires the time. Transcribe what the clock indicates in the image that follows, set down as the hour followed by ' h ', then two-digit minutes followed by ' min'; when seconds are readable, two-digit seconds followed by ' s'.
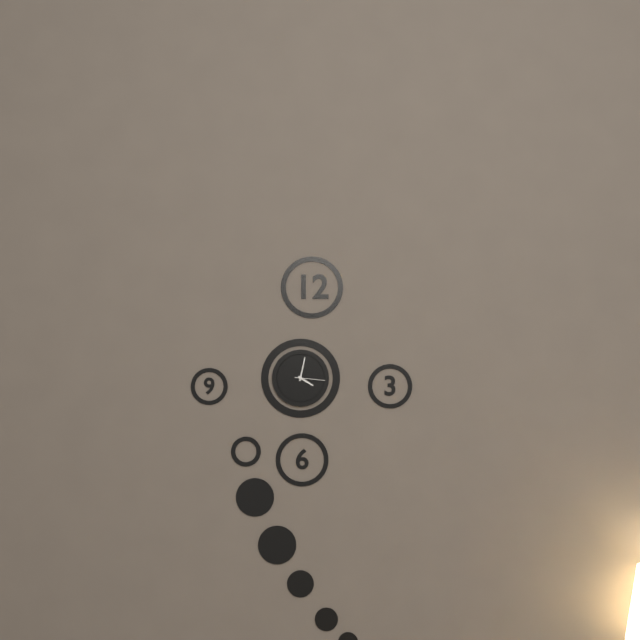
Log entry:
4 h 02 min
